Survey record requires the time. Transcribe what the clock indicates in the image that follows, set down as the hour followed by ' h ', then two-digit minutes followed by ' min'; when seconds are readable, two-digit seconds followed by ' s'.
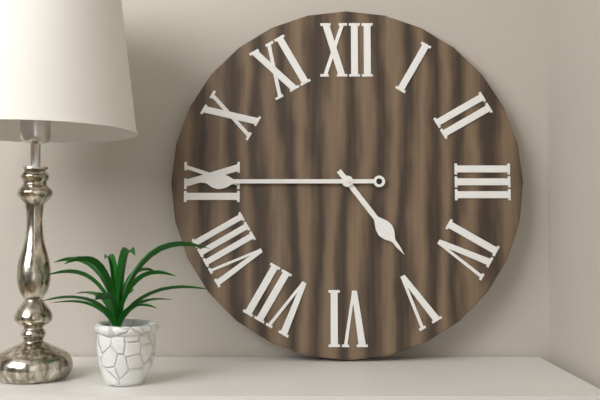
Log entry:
4 h 45 min
